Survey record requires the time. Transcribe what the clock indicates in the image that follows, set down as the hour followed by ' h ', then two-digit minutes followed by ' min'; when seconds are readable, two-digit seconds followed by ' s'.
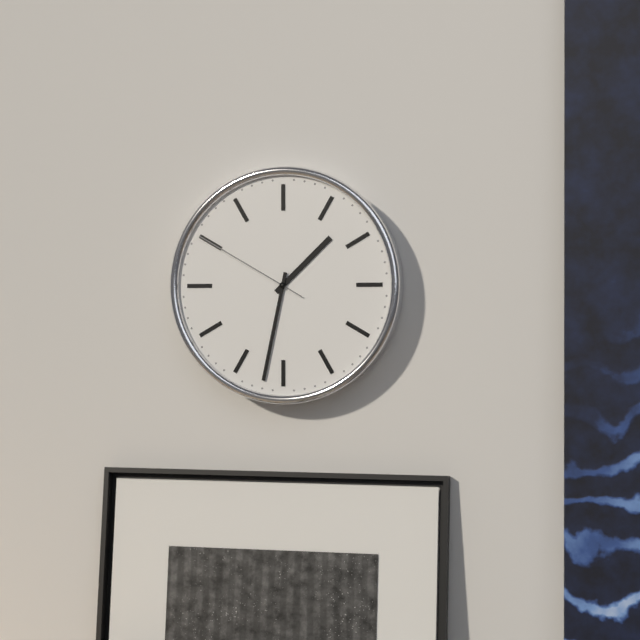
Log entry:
1 h 32 min 50 s
